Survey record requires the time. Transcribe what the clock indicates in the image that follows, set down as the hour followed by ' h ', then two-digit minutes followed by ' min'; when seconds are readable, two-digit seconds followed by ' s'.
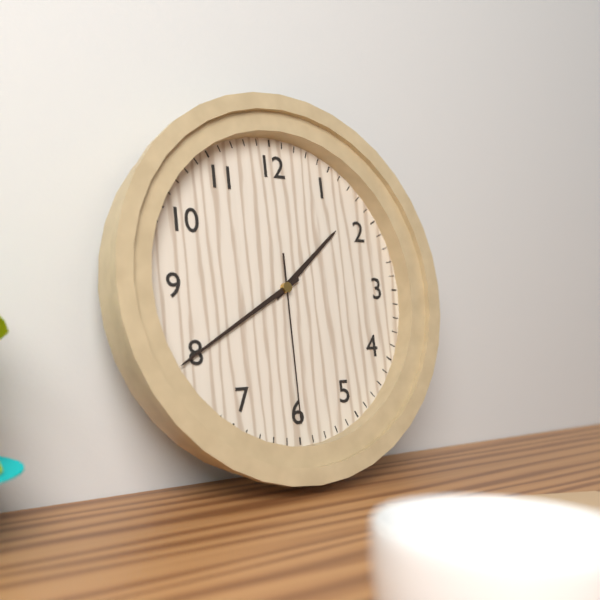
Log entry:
1 h 40 min 30 s
